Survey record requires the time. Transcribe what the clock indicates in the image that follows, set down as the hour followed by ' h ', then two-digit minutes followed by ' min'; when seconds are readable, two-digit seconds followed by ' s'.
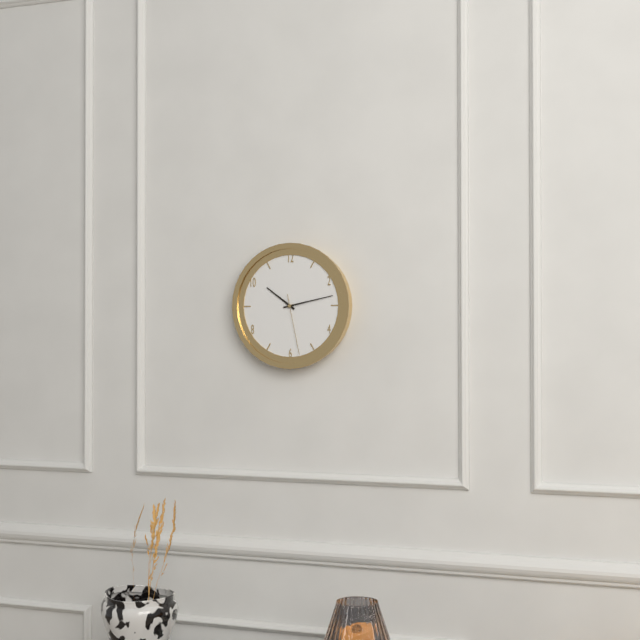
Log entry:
10 h 13 min 28 s
